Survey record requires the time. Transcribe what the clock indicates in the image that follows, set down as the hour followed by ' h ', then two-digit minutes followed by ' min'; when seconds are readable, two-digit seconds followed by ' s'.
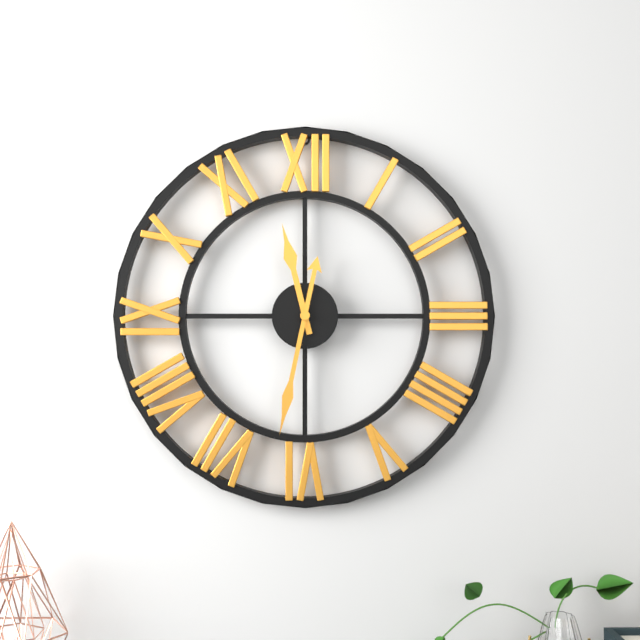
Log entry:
11 h 32 min
